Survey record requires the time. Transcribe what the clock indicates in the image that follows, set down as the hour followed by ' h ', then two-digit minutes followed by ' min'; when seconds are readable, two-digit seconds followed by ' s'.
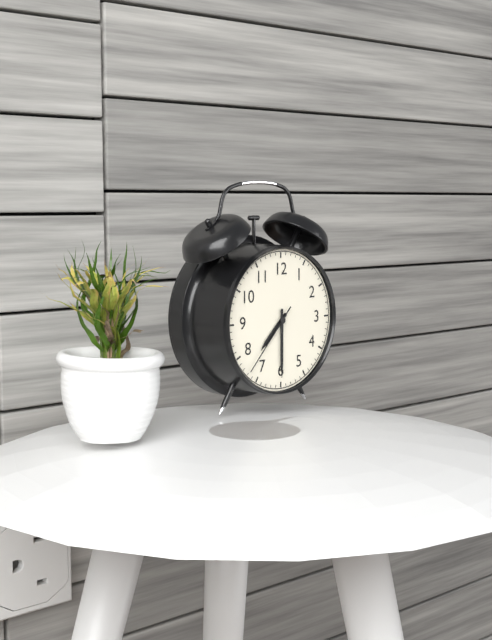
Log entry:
7 h 30 min 37 s
